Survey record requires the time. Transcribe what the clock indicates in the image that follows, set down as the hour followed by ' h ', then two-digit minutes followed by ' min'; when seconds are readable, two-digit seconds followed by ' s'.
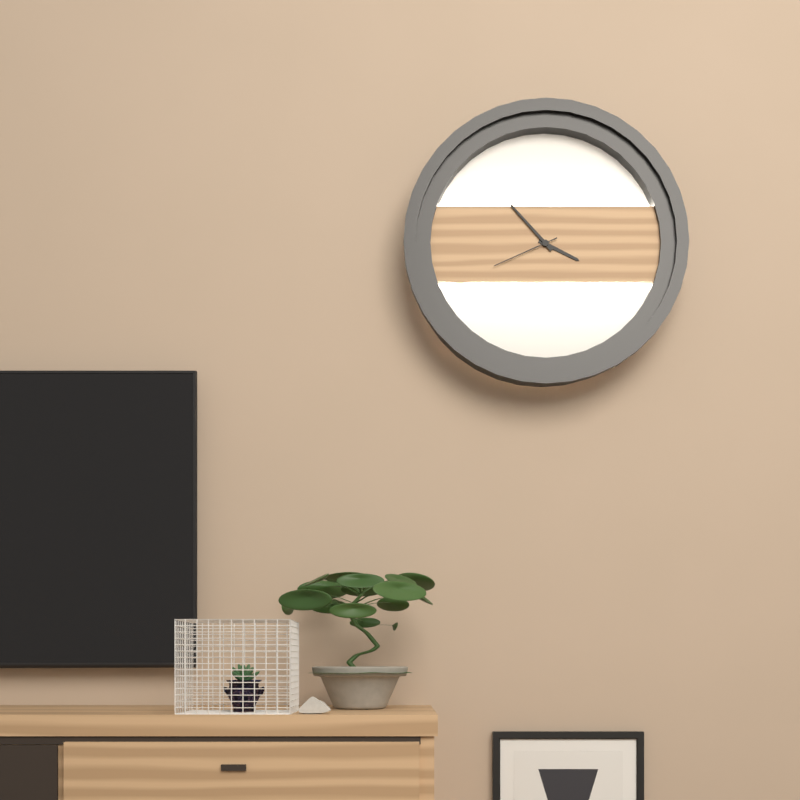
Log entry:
3 h 53 min 41 s
